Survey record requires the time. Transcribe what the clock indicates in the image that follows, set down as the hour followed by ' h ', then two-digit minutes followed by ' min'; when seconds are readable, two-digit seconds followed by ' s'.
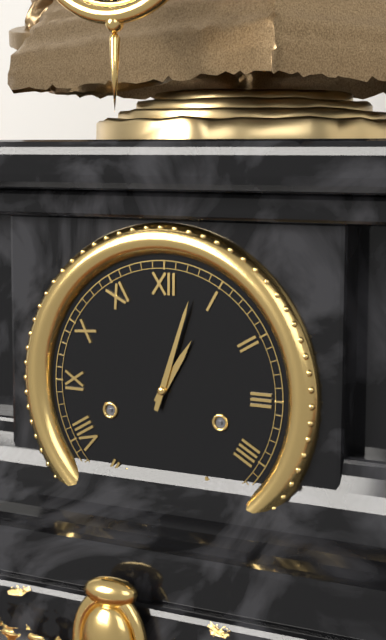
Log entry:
1 h 03 min
